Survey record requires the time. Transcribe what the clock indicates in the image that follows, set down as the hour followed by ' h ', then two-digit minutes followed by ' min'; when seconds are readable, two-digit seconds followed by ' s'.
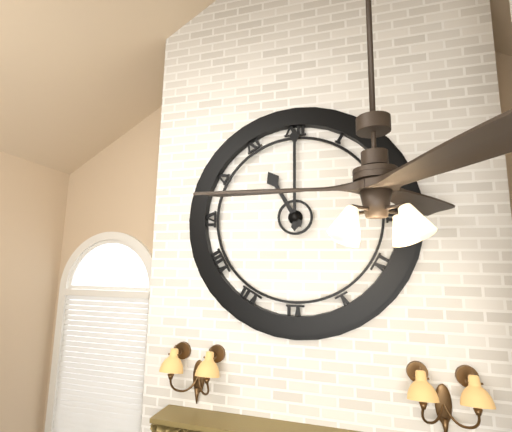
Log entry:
11 h 00 min
